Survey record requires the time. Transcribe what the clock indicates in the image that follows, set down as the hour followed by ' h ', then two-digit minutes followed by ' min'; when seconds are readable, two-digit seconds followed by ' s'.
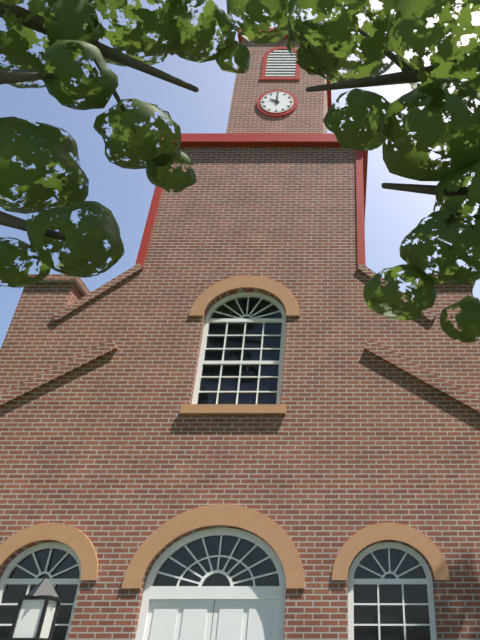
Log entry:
10 h 00 min
